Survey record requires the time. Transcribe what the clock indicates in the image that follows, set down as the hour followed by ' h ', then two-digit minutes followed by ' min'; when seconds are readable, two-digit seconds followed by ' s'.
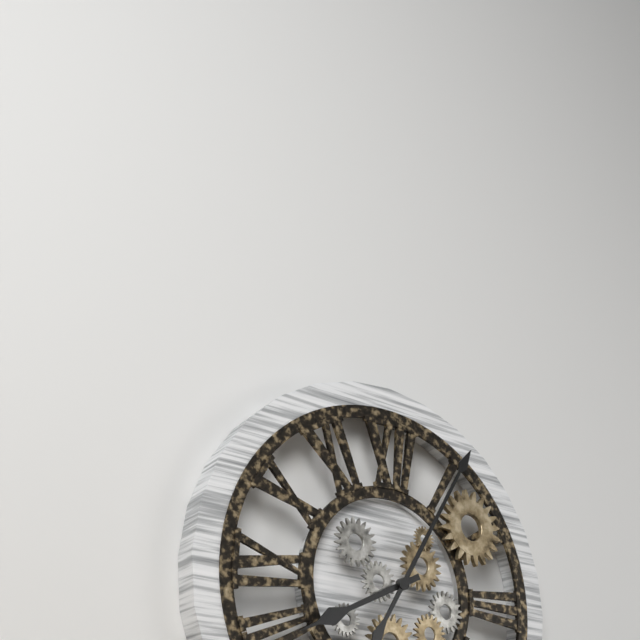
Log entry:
8 h 05 min
